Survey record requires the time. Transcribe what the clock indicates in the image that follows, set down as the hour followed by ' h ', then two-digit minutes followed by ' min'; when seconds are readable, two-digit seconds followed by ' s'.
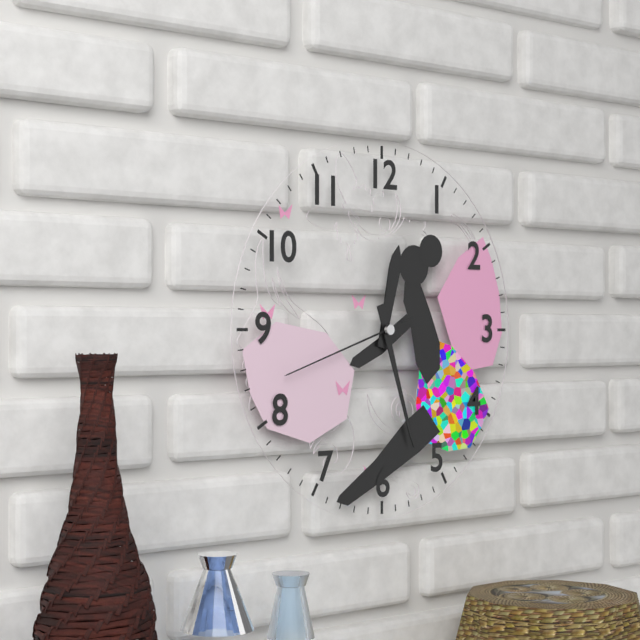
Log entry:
12 h 27 min 42 s
